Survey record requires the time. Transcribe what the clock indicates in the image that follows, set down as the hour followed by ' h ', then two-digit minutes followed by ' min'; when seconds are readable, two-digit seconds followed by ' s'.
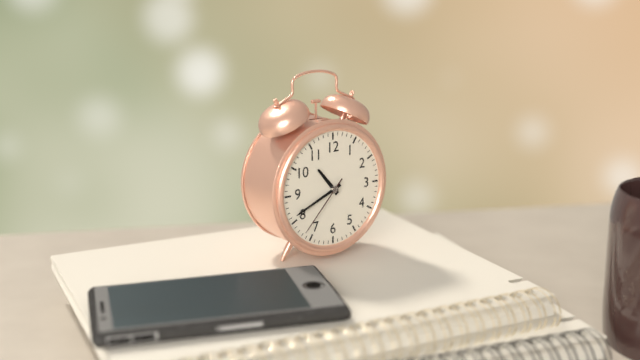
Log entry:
10 h 41 min 37 s
